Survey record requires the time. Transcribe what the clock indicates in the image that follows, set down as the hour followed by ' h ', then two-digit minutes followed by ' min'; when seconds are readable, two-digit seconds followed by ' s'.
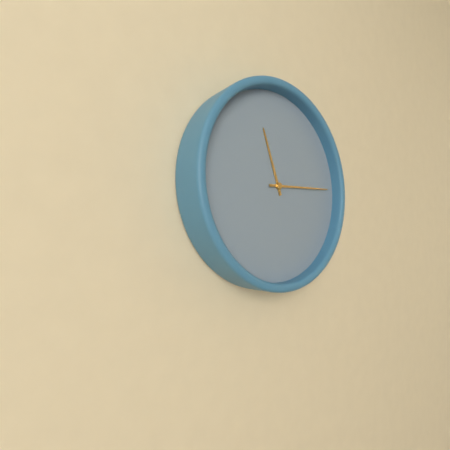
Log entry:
11 h 14 min
